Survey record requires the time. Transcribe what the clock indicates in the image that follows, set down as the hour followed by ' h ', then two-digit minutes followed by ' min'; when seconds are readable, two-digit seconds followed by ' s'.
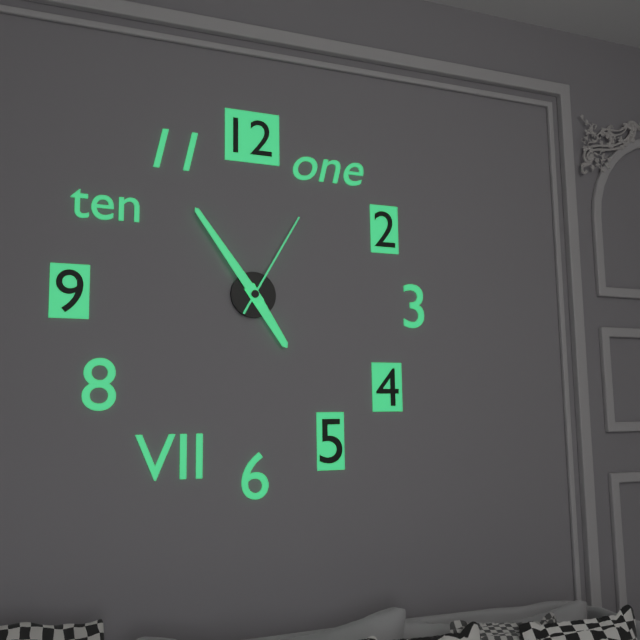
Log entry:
4 h 54 min 05 s
